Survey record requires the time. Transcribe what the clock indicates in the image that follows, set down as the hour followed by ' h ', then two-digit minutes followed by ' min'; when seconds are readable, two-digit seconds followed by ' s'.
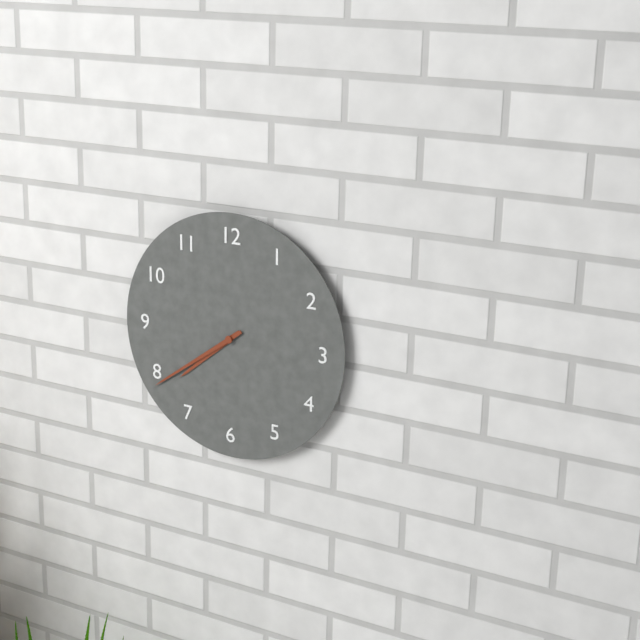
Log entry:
7 h 39 min
